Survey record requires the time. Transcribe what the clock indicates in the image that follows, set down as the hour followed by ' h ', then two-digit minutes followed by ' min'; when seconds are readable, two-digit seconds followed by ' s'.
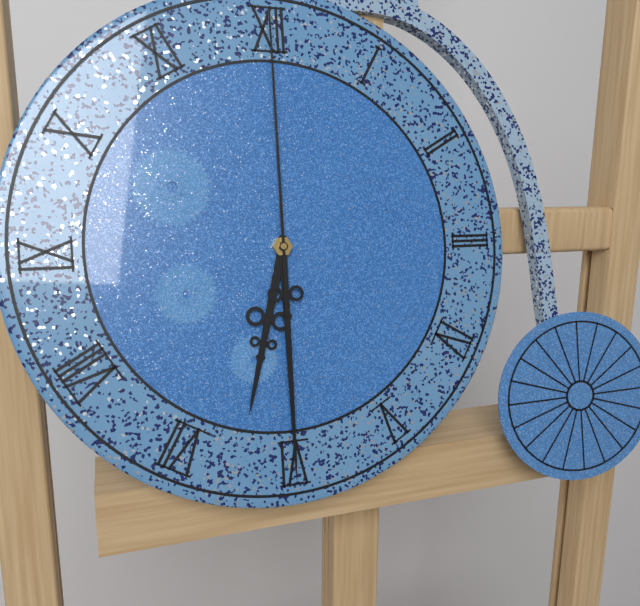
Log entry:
6 h 30 min 00 s
